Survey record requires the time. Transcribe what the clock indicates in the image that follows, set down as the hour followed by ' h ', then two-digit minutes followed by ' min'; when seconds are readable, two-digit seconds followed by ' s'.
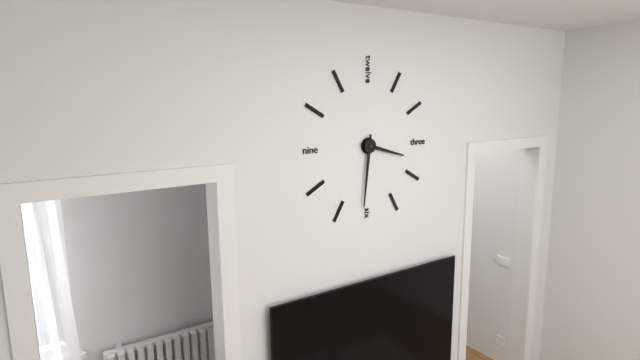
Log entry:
3 h 31 min
